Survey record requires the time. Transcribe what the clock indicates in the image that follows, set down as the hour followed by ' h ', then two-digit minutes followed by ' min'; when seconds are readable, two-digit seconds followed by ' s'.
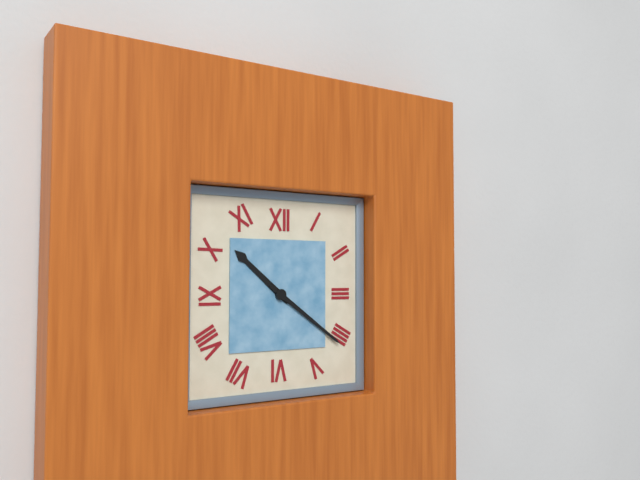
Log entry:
10 h 21 min
